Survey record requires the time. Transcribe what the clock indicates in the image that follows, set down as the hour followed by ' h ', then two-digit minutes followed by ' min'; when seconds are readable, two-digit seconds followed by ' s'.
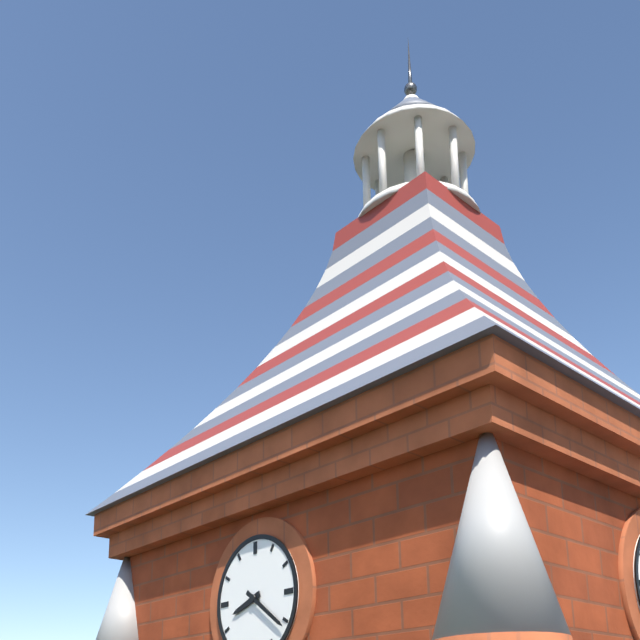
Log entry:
8 h 21 min
